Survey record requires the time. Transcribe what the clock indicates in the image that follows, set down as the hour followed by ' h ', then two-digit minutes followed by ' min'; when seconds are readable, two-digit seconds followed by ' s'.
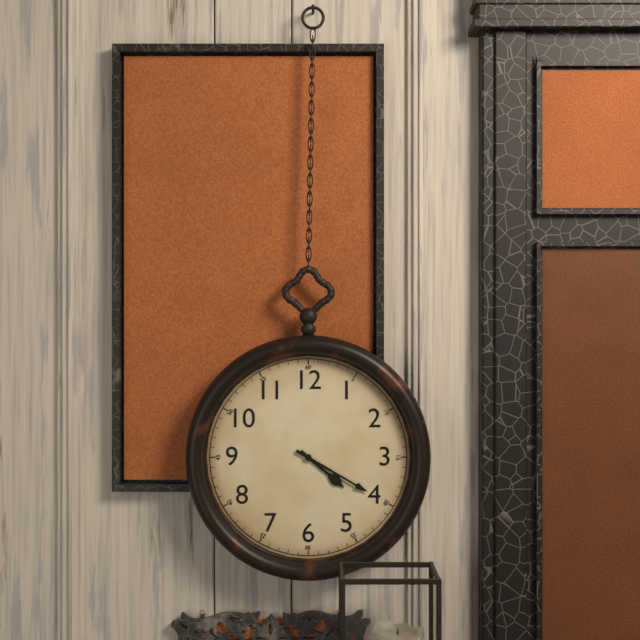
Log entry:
4 h 20 min
